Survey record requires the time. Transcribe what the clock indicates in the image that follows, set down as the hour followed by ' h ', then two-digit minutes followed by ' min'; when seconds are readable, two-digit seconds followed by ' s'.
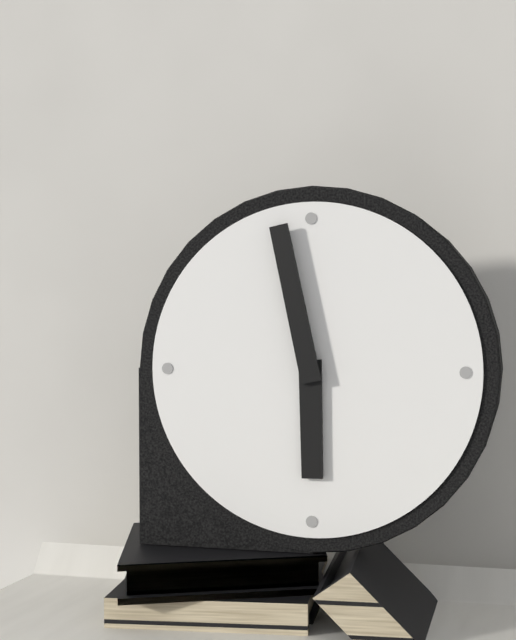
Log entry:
5 h 58 min
